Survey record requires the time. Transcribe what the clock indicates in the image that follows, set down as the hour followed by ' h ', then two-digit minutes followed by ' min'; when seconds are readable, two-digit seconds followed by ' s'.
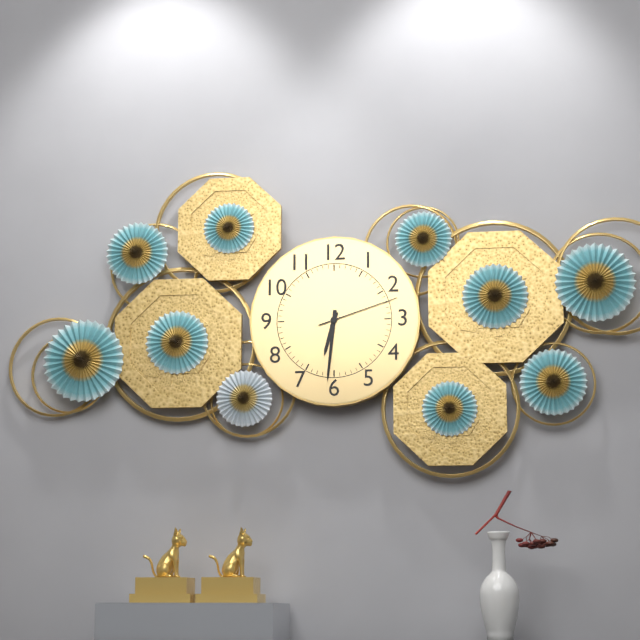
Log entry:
6 h 31 min 12 s
